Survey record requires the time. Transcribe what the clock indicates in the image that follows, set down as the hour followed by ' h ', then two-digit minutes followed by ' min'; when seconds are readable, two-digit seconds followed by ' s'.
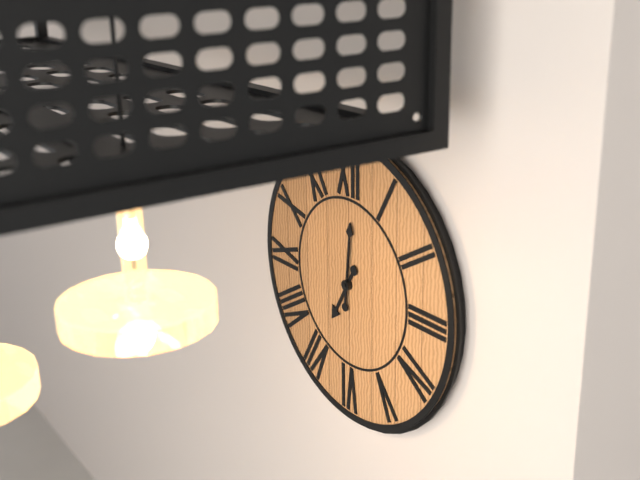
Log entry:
7 h 01 min
